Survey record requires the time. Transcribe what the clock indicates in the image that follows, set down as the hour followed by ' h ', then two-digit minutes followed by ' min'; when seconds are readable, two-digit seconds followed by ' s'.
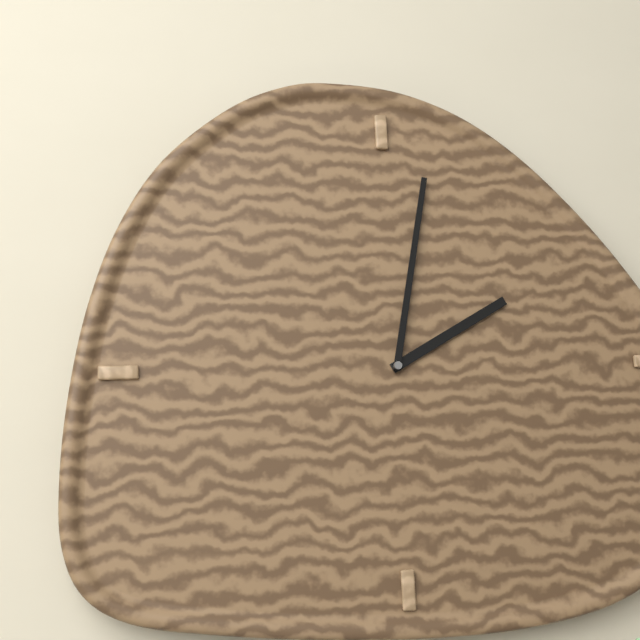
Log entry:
2 h 02 min
